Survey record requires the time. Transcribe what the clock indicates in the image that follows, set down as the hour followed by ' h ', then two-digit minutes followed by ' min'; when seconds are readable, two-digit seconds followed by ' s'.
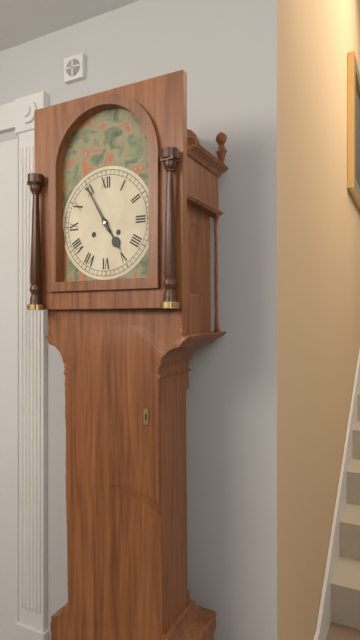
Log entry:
4 h 55 min
